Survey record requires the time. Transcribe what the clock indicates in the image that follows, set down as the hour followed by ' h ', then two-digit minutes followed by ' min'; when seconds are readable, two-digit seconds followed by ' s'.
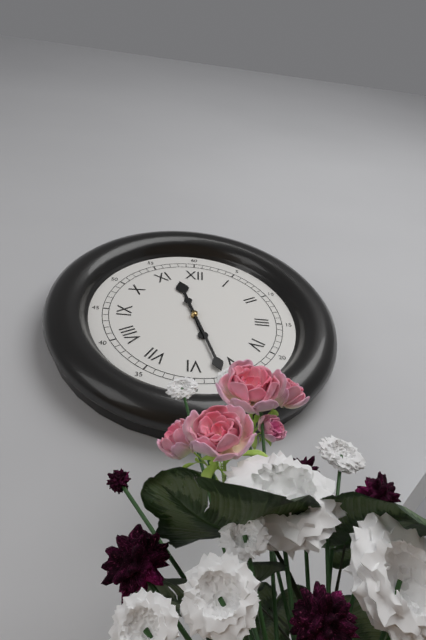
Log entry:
11 h 27 min
